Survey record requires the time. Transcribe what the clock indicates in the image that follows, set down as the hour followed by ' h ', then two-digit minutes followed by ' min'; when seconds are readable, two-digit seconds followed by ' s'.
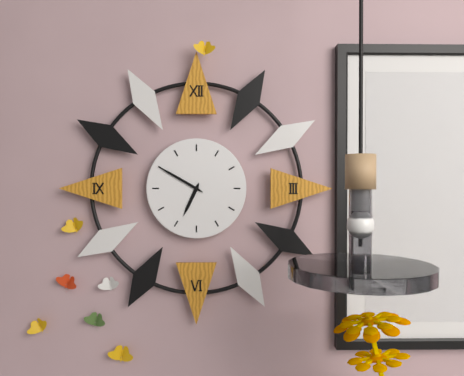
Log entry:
6 h 50 min
